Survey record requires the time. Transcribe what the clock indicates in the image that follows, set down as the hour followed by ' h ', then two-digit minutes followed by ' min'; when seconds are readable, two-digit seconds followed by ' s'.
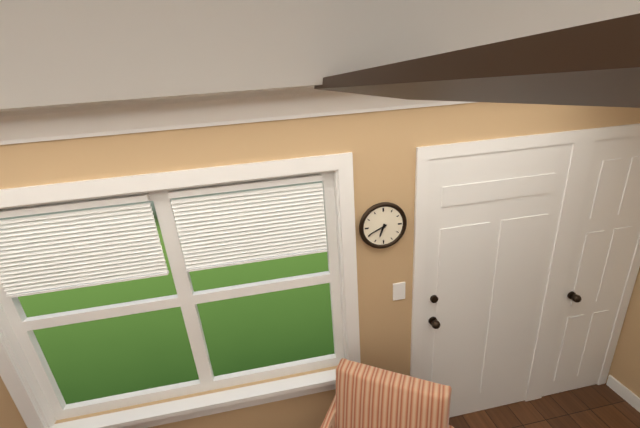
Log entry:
6 h 41 min
